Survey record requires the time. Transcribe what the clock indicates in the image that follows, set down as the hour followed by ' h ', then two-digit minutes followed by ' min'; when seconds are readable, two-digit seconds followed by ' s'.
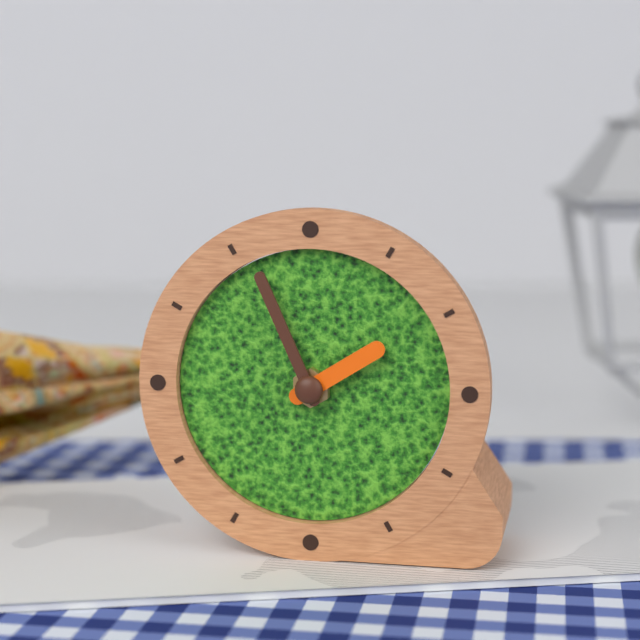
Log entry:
1 h 56 min
